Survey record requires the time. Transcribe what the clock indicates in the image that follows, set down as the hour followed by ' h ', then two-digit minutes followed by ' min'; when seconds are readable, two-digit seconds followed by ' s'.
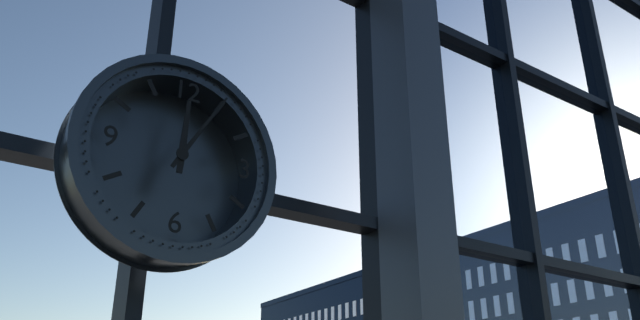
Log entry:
12 h 05 min
